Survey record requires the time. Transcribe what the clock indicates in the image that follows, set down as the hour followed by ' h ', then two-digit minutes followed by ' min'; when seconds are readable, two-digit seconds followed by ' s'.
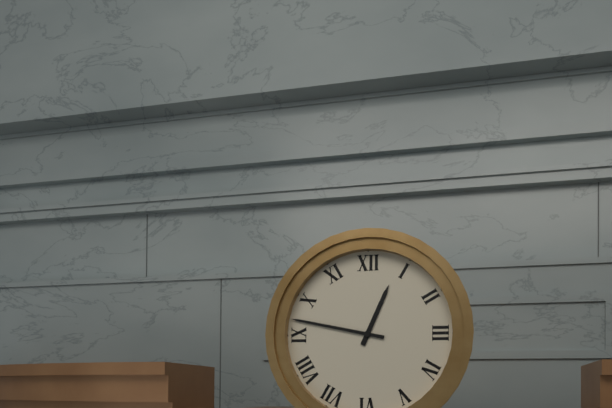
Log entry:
12 h 47 min
